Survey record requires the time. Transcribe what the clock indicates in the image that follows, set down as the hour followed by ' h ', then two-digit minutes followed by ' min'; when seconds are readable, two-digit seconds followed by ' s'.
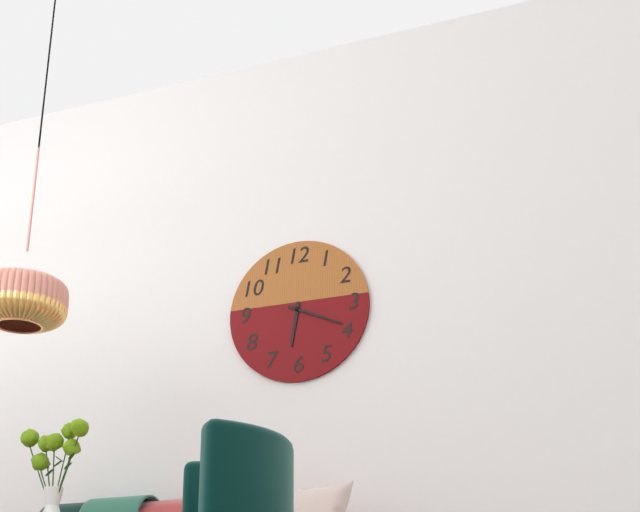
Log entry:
6 h 19 min
